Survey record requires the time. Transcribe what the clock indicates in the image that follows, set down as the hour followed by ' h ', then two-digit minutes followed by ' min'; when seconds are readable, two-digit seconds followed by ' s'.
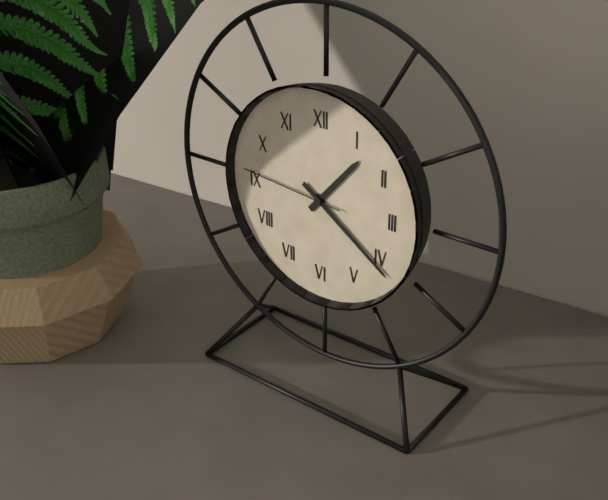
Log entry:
1 h 21 min 46 s
